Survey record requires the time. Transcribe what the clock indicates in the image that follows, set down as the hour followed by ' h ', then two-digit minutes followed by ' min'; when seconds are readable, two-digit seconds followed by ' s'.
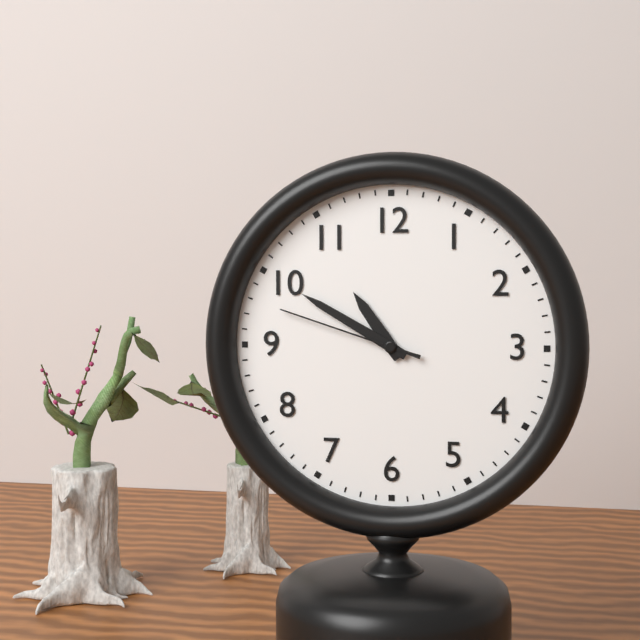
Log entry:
10 h 50 min 48 s
